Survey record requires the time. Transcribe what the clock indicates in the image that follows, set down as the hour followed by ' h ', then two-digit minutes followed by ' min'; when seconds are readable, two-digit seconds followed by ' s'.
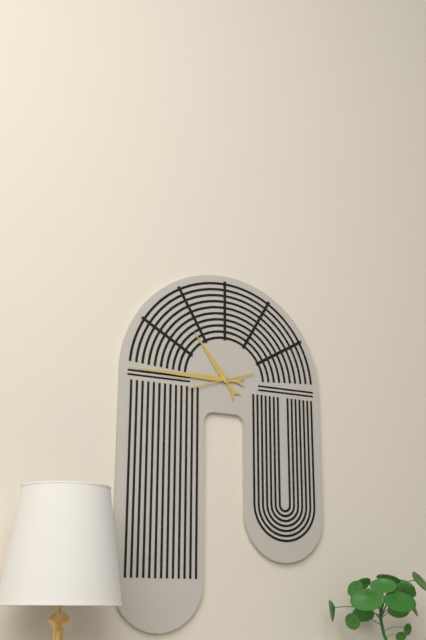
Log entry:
10 h 45 min
